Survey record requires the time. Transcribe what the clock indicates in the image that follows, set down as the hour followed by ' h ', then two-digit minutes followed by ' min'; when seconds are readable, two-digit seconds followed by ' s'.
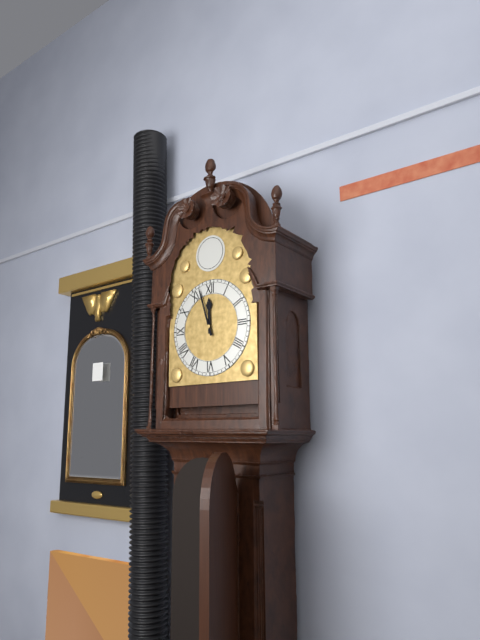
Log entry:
11 h 57 min
